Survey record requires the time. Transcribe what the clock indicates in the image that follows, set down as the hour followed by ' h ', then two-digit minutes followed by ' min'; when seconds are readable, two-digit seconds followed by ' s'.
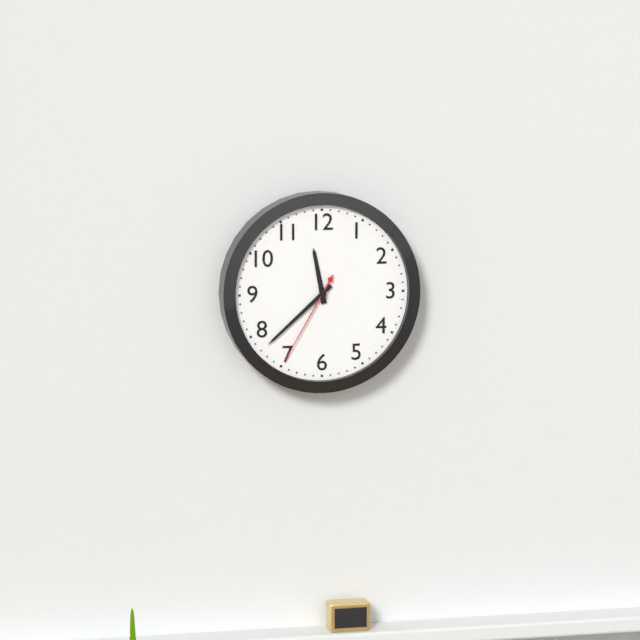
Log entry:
11 h 38 min 35 s
